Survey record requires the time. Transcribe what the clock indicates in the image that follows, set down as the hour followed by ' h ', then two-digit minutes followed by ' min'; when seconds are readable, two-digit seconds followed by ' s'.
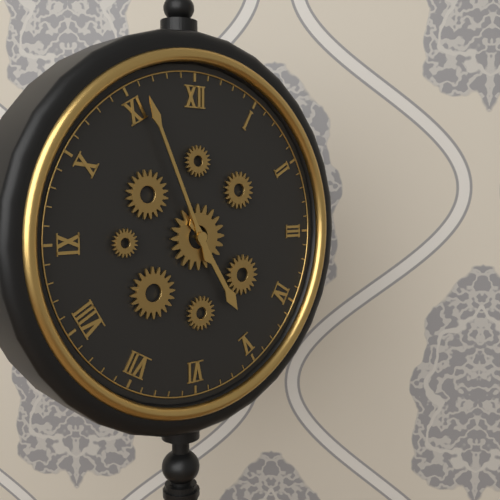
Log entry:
4 h 56 min
